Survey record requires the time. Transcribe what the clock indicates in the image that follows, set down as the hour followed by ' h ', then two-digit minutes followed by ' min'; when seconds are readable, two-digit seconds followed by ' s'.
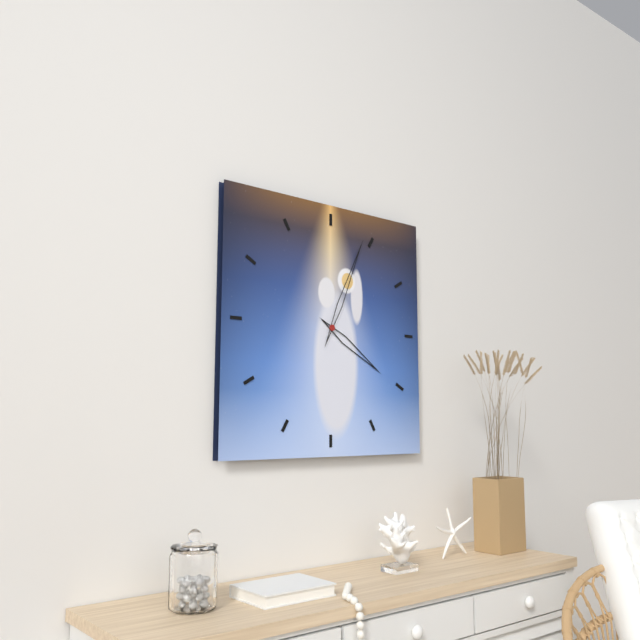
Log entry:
4 h 04 min
